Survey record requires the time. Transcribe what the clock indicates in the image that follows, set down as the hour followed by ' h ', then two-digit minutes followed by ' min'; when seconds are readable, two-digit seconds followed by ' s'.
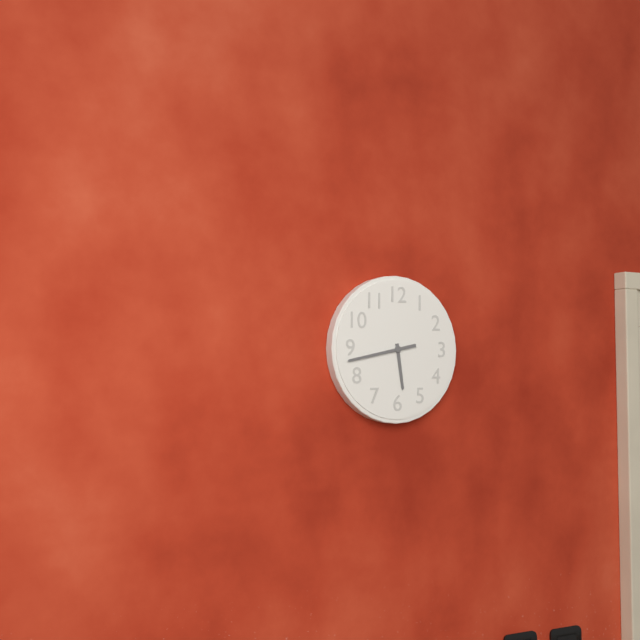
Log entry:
5 h 43 min
